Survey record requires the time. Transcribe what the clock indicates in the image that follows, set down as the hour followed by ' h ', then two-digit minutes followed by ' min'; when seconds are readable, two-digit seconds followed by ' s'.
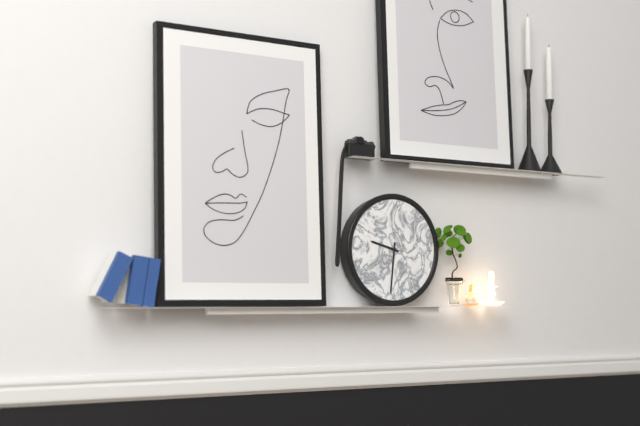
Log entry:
9 h 31 min
